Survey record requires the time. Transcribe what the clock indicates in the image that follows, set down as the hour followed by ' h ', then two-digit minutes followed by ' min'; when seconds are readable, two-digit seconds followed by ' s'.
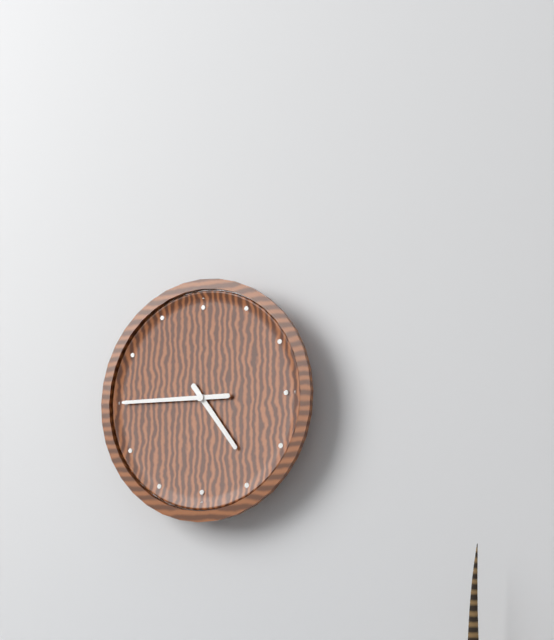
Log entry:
4 h 45 min
